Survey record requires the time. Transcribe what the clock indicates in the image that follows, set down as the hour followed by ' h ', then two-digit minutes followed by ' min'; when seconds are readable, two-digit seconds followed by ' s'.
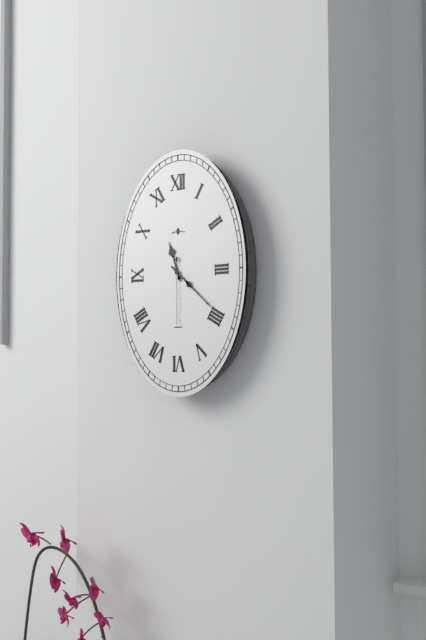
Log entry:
11 h 22 min 30 s
